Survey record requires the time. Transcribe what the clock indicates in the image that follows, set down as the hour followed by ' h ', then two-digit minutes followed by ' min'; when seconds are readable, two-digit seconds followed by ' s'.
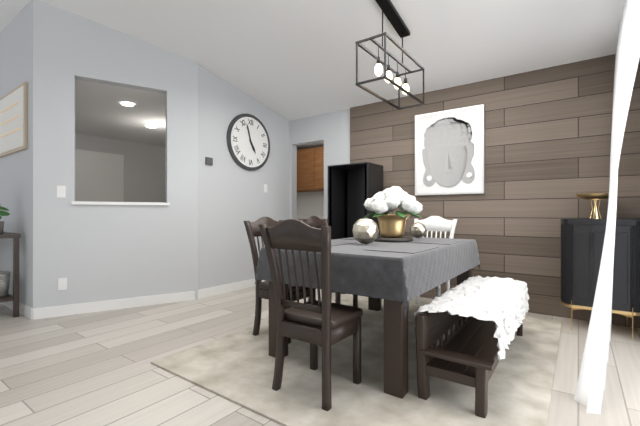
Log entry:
4 h 57 min
